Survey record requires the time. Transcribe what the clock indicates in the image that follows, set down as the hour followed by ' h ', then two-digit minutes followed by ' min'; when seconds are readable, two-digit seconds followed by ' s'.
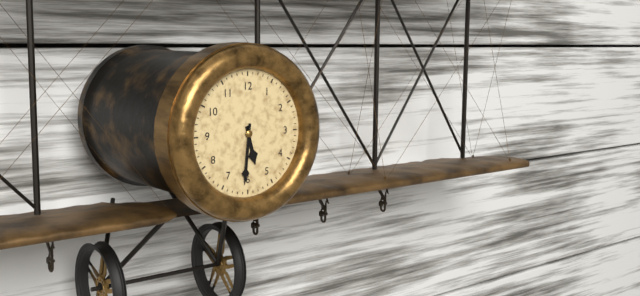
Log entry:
5 h 31 min
